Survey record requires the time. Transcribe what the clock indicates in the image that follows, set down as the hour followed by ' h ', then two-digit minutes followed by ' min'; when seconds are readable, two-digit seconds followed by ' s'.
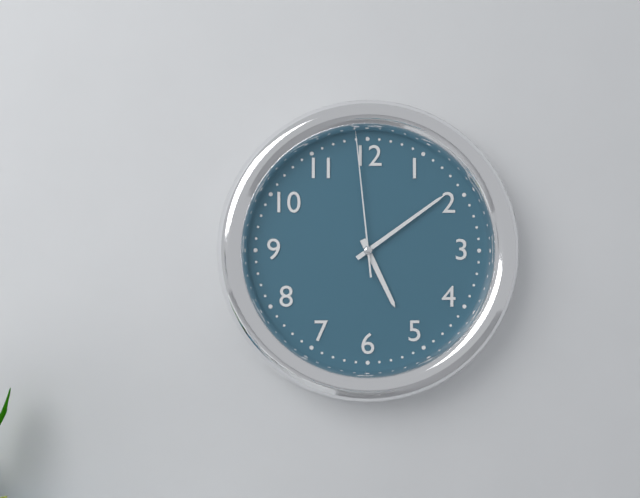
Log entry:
5 h 09 min 59 s
